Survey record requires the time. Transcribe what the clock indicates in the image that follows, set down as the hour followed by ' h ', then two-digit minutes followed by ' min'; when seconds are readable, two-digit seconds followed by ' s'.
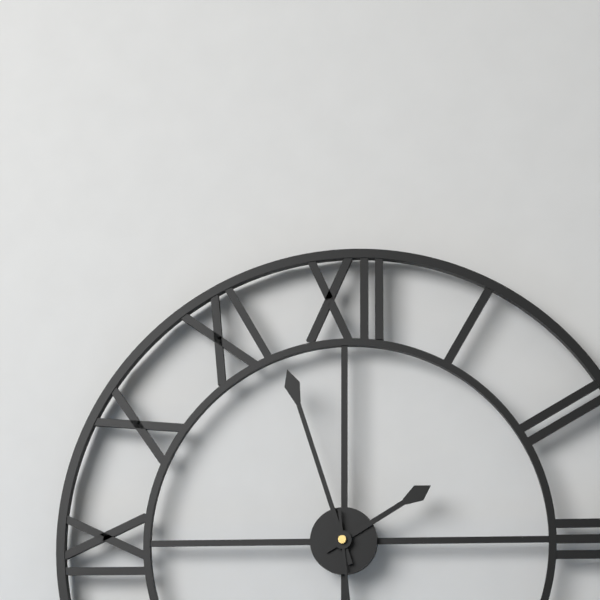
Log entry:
1 h 57 min
